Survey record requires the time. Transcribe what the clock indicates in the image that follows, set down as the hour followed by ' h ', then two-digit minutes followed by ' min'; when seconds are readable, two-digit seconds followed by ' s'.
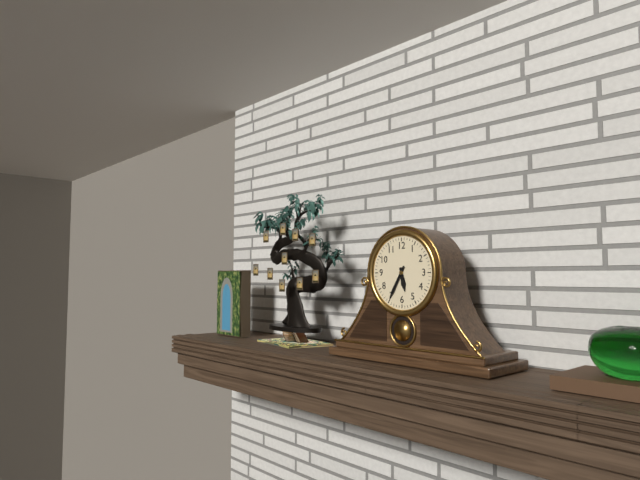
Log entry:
5 h 35 min
